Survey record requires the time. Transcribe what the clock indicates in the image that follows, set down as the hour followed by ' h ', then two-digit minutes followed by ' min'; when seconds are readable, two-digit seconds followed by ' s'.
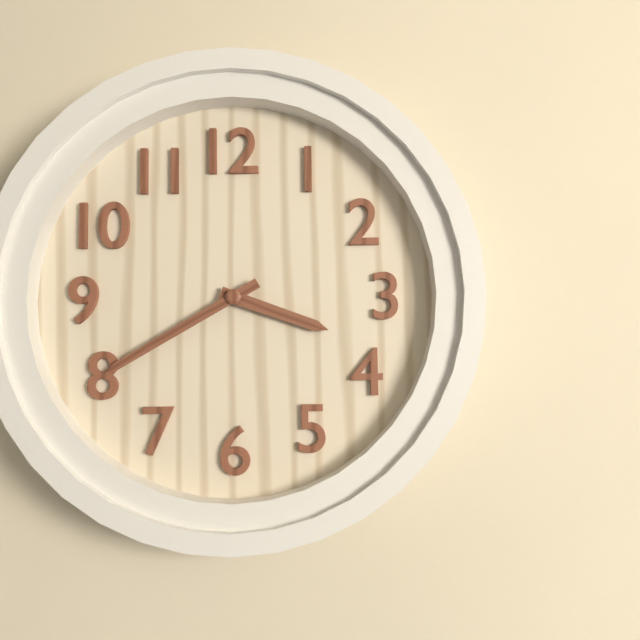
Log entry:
3 h 40 min
